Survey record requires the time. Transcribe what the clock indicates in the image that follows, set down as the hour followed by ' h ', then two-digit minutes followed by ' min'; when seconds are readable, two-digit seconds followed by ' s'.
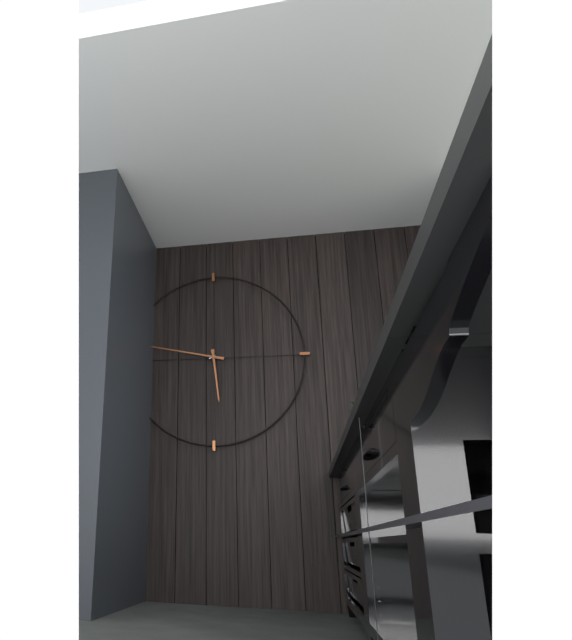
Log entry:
5 h 47 min
